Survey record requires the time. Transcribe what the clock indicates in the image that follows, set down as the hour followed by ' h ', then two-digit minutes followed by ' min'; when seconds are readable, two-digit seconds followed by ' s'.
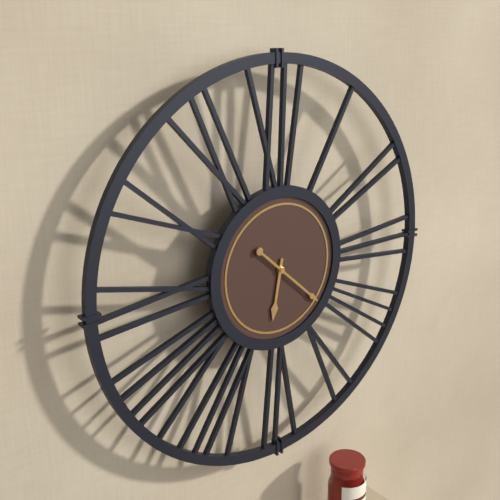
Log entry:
6 h 22 min
